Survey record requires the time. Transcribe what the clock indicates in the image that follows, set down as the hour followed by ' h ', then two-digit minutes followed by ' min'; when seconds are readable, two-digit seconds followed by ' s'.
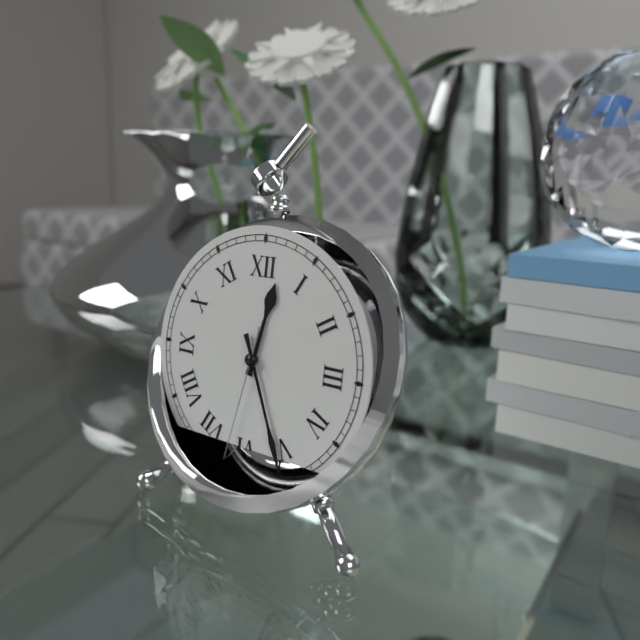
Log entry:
12 h 26 min 32 s
